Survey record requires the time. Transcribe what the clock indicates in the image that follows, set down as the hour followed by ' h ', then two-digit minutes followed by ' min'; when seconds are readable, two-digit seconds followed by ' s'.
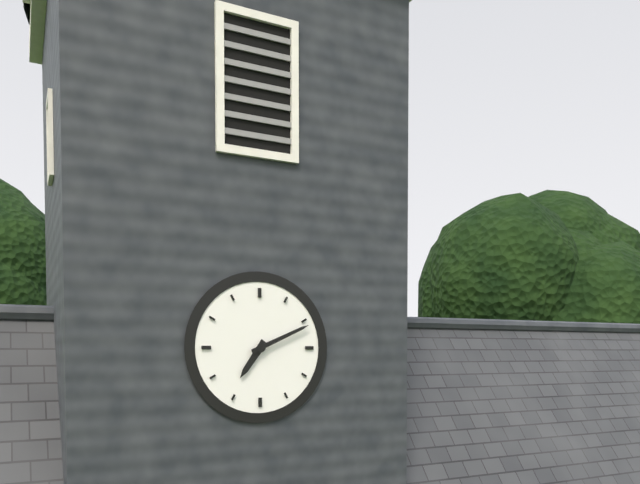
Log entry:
7 h 11 min
